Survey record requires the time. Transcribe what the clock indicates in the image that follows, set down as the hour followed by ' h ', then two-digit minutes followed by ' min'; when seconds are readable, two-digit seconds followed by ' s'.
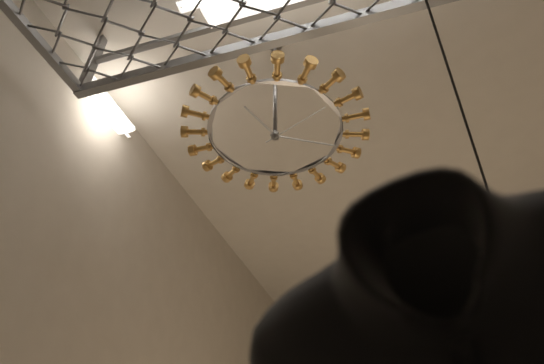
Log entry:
11 h 20 min 11 s
